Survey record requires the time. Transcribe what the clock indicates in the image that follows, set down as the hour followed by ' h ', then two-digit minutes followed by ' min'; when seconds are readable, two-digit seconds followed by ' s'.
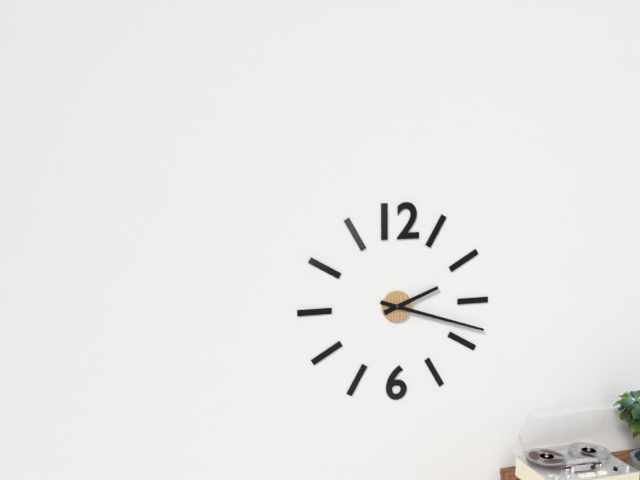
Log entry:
2 h 18 min
